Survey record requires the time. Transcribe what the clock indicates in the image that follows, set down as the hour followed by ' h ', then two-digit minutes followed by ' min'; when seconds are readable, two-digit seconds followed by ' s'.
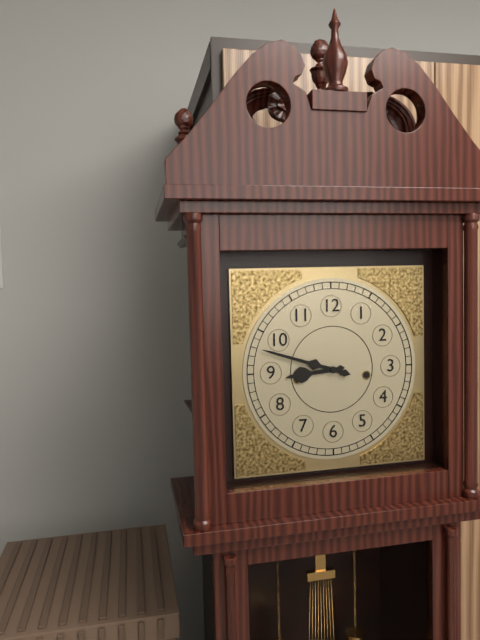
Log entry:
8 h 48 min
